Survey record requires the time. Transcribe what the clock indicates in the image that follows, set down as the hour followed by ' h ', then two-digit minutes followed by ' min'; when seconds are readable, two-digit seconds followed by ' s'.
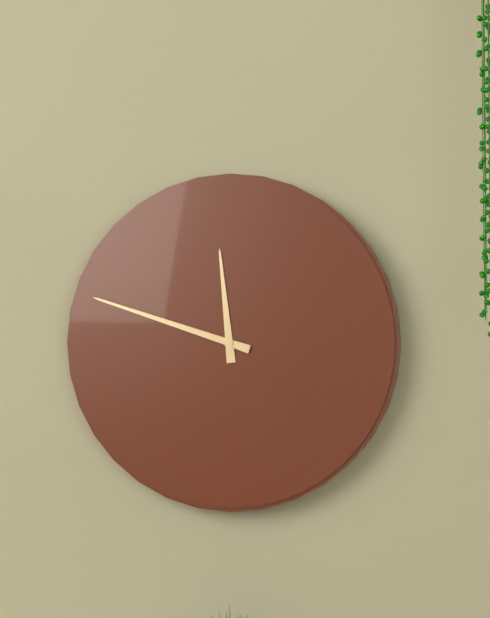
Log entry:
11 h 48 min
